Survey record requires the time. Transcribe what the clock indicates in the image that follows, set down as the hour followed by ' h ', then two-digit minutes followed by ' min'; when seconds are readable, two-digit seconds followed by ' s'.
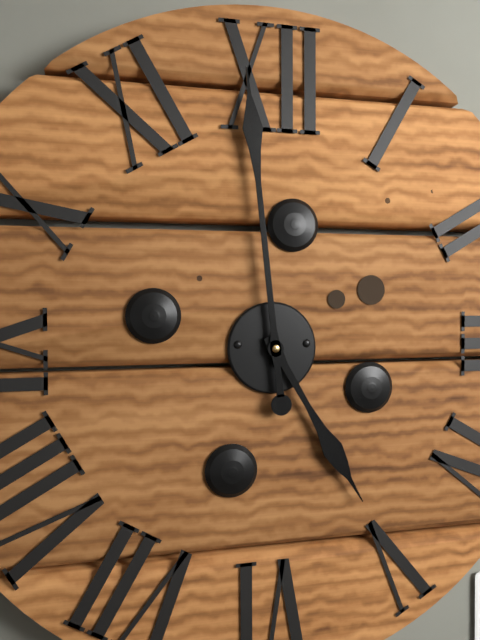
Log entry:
4 h 59 min
